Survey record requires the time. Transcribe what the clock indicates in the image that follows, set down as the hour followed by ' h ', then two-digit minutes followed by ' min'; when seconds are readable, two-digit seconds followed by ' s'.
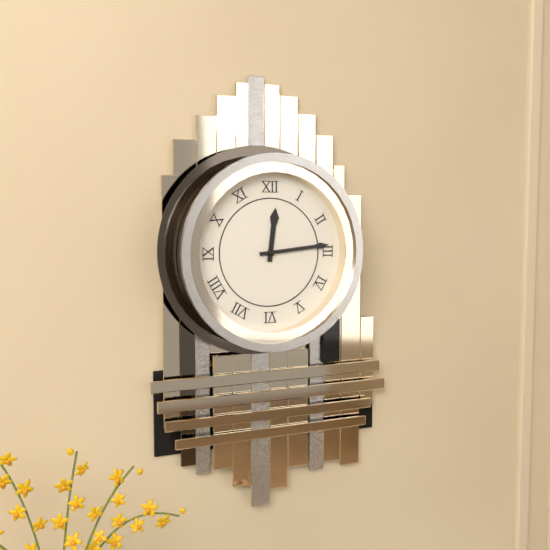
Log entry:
12 h 14 min
